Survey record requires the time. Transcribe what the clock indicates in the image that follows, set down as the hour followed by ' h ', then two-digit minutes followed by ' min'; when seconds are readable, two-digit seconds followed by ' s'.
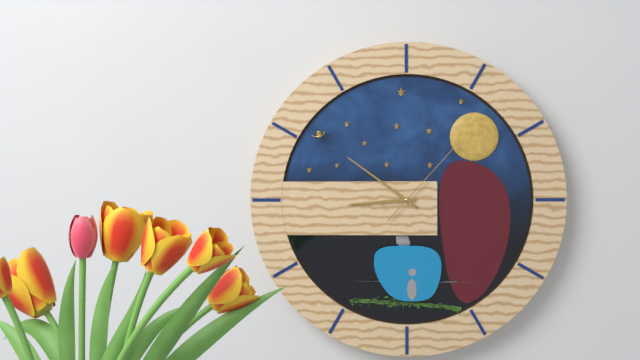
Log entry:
8 h 51 min 07 s
